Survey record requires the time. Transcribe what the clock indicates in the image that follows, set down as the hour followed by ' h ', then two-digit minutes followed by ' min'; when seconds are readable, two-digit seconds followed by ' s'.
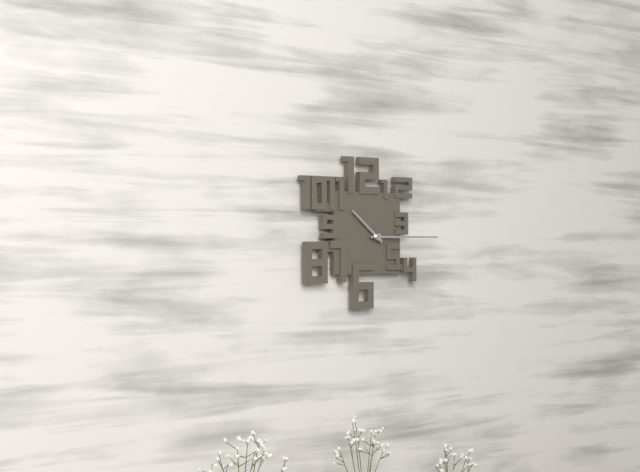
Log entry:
10 h 15 min
